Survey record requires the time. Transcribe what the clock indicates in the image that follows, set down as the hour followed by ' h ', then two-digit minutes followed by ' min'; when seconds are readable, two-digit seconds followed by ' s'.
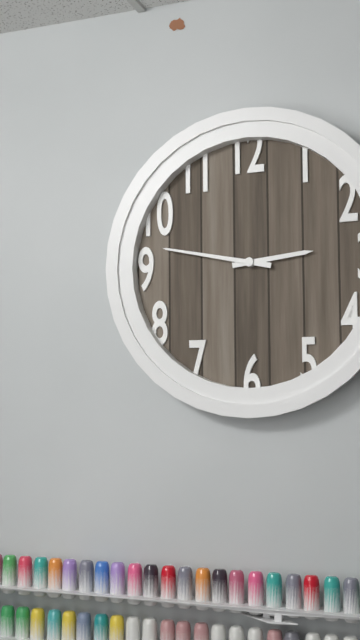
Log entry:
2 h 47 min
